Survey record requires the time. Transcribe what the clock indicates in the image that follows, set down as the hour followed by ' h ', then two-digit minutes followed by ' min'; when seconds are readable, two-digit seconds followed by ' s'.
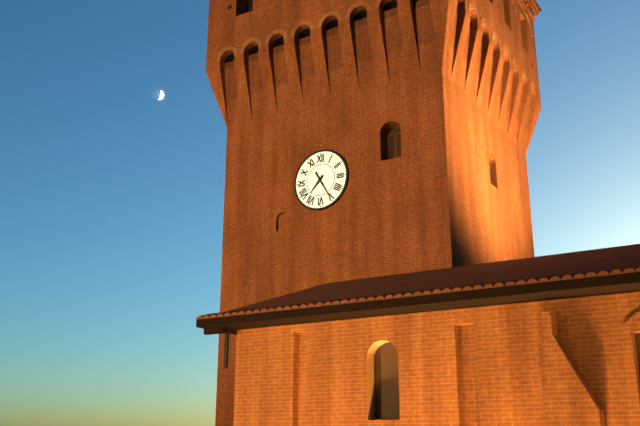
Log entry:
7 h 25 min
